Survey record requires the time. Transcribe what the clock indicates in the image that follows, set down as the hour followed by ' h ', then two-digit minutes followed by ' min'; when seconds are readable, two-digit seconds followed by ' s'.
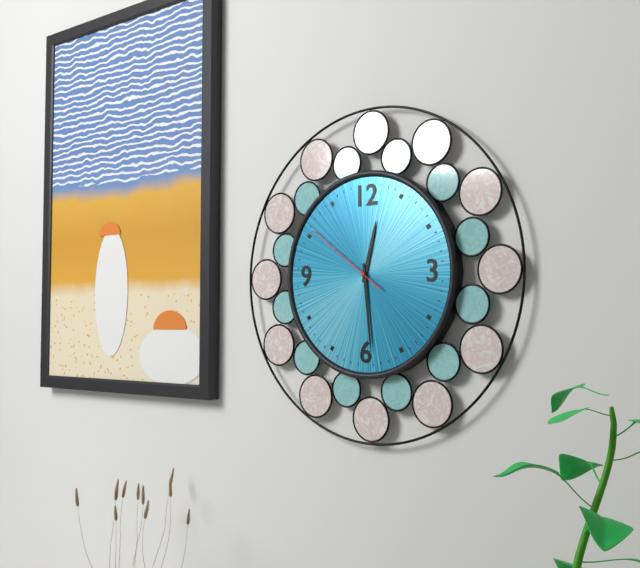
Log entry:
12 h 29 min 51 s
